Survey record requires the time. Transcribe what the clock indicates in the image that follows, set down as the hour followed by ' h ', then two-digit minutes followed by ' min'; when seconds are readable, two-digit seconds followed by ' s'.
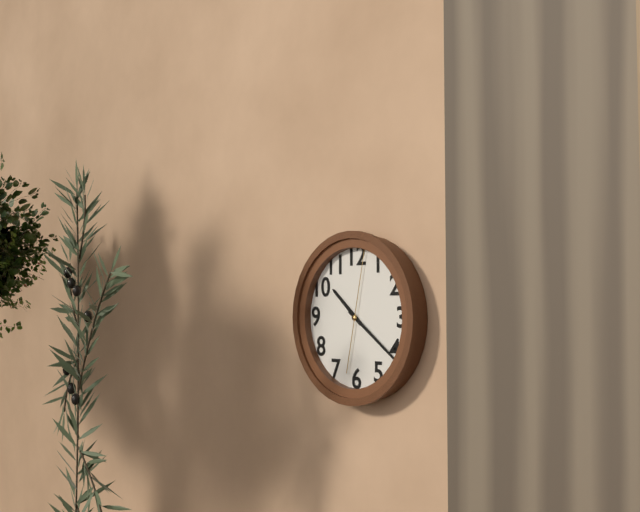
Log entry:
10 h 21 min 02 s
